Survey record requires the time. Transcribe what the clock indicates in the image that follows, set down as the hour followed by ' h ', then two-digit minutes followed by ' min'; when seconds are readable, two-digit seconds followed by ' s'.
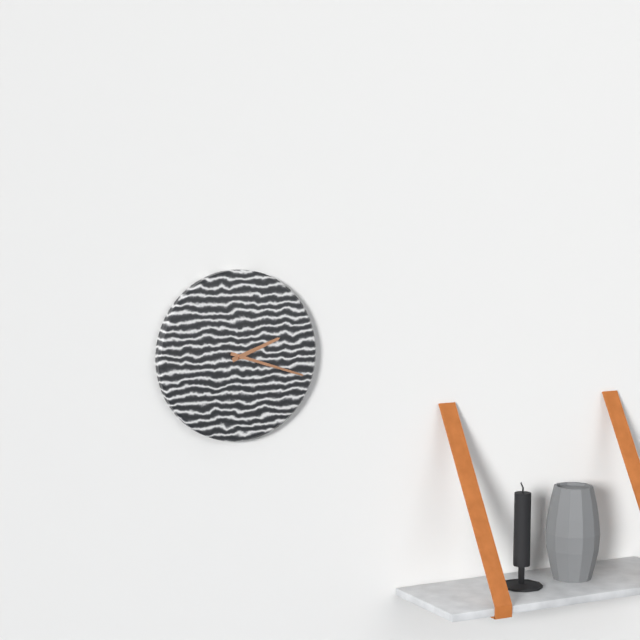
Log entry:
2 h 18 min
